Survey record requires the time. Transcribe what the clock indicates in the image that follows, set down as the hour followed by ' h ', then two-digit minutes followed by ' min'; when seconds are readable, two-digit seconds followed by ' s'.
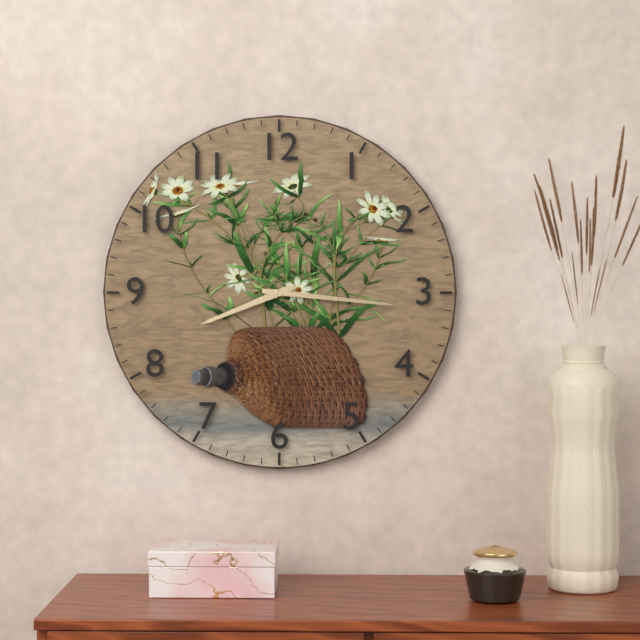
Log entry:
8 h 16 min
